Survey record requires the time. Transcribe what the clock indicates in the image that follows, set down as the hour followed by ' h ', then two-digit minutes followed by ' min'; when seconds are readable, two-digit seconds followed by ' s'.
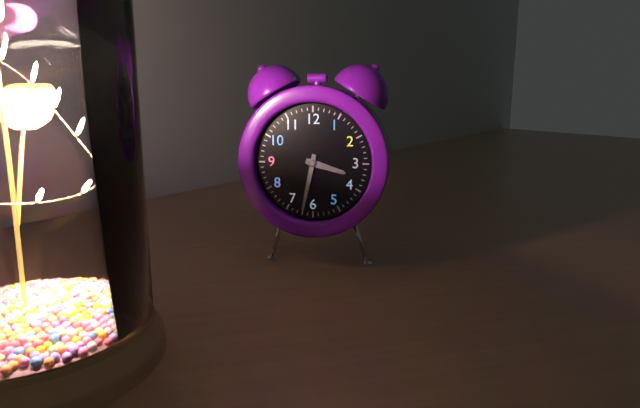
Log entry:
3 h 32 min
